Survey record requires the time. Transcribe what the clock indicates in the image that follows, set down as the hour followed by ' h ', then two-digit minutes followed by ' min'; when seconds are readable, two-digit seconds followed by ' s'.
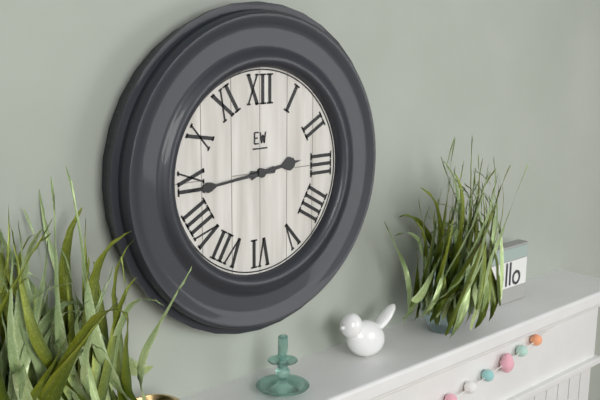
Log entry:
2 h 44 min
